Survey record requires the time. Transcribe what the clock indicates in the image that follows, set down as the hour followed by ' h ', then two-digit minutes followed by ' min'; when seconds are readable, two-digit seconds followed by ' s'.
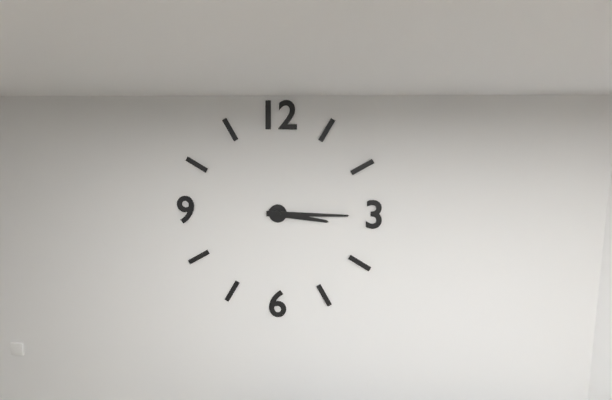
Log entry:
3 h 15 min
